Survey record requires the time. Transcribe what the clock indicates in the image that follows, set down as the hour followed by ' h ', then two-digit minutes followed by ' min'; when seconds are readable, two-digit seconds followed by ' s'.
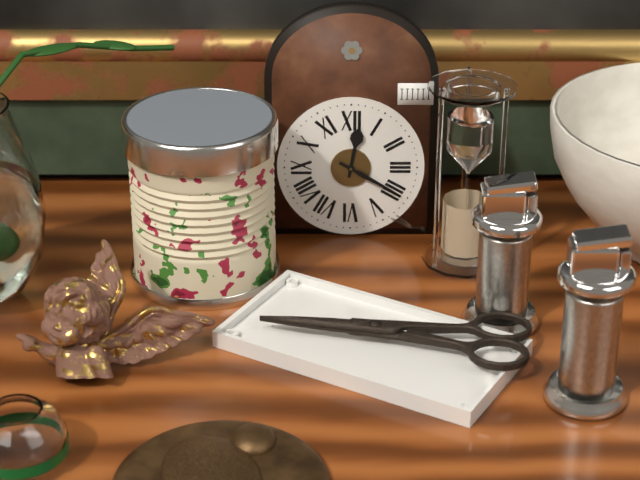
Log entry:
12 h 20 min
